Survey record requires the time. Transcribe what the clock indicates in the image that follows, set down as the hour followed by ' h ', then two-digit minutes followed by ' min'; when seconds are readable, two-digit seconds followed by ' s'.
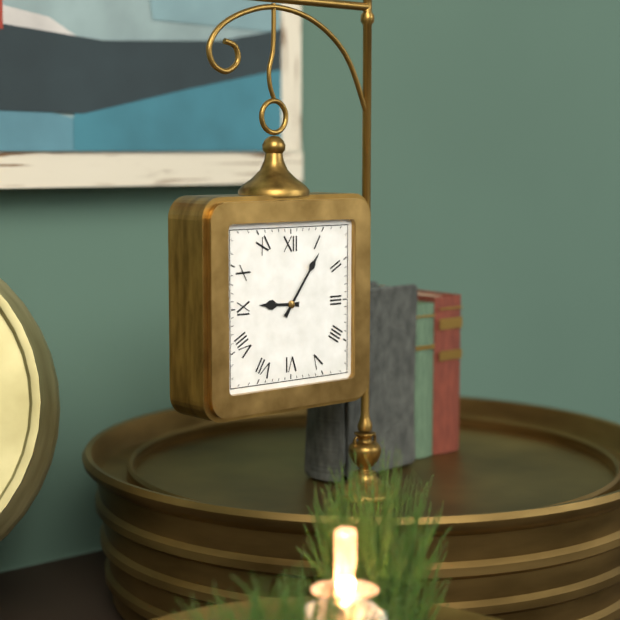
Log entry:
9 h 06 min
